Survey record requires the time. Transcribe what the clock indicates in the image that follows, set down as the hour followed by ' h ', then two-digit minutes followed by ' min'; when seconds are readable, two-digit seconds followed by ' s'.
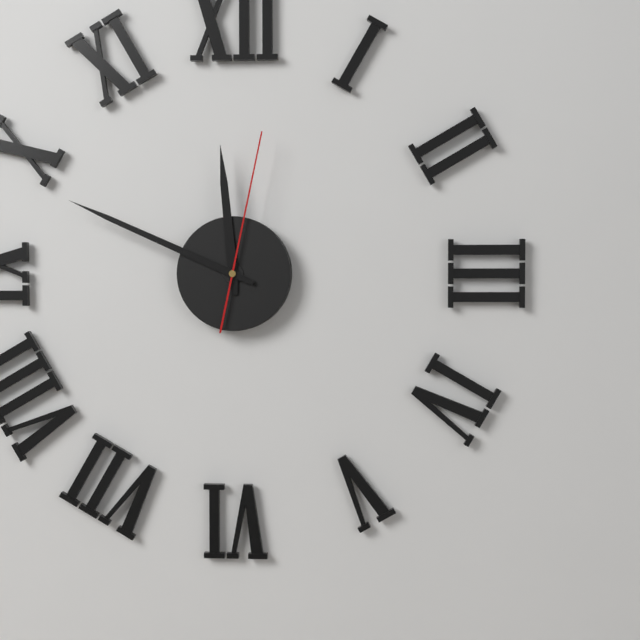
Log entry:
11 h 49 min 02 s
